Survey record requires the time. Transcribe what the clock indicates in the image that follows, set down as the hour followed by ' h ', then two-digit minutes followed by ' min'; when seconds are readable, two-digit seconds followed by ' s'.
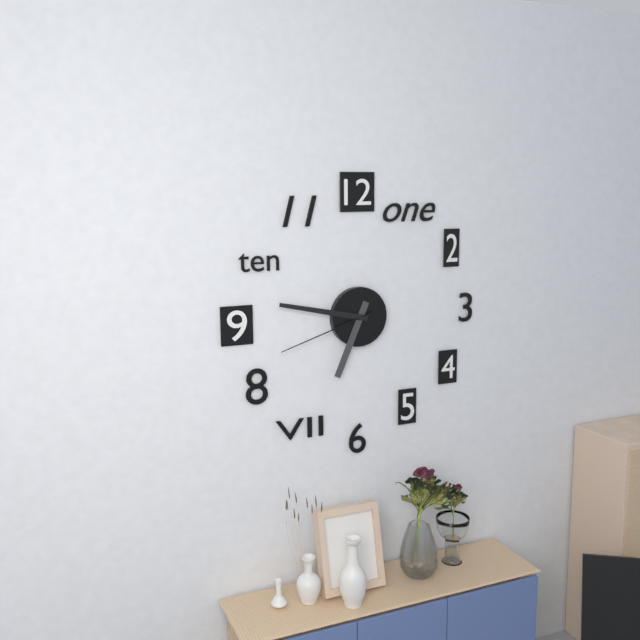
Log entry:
6 h 47 min 42 s
